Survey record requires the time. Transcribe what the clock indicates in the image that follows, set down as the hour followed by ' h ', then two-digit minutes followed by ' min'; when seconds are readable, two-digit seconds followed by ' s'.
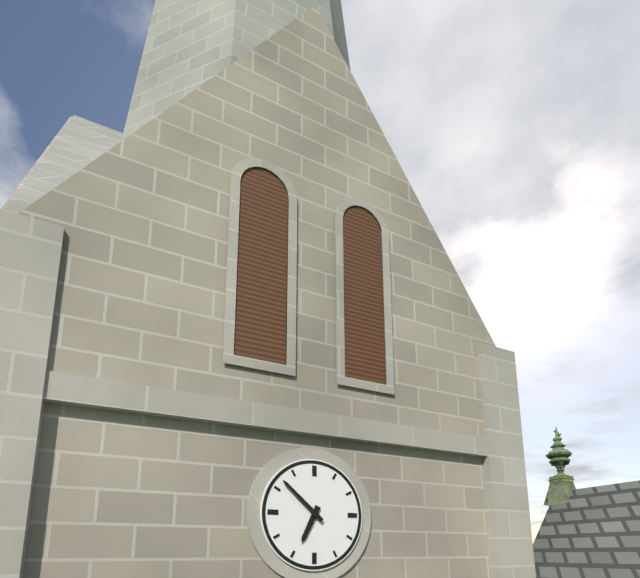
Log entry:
6 h 52 min
